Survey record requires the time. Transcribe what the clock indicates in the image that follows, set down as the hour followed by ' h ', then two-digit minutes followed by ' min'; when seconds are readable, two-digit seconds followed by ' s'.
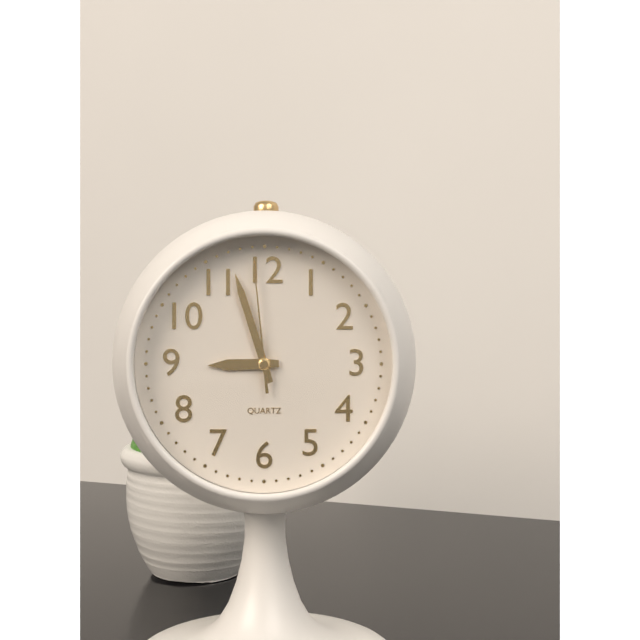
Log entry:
8 h 57 min 59 s
